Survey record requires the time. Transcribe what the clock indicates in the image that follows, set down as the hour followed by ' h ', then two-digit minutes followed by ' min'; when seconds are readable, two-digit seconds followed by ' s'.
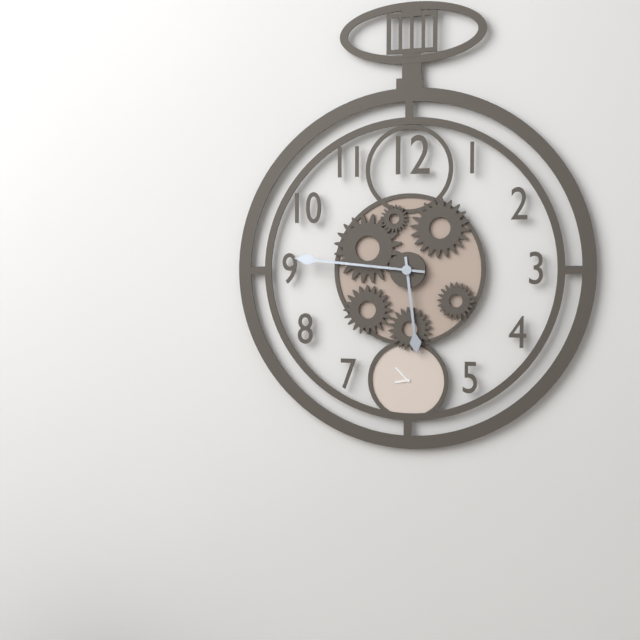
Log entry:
5 h 46 min
